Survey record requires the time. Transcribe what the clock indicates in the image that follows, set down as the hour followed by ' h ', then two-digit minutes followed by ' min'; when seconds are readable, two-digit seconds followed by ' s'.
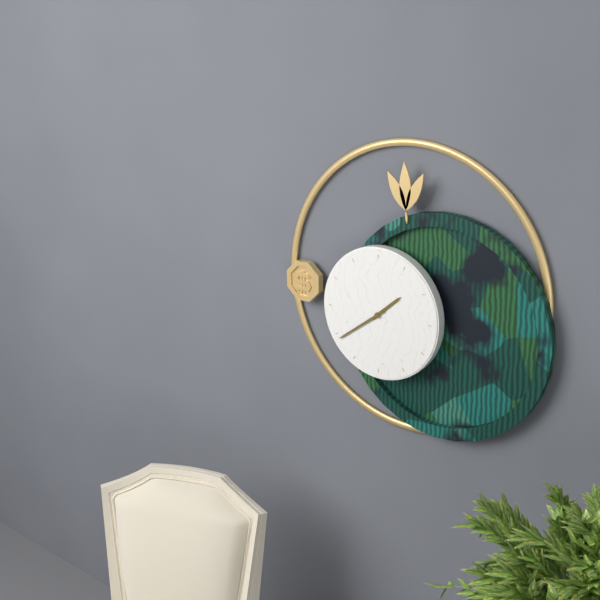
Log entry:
1 h 39 min
